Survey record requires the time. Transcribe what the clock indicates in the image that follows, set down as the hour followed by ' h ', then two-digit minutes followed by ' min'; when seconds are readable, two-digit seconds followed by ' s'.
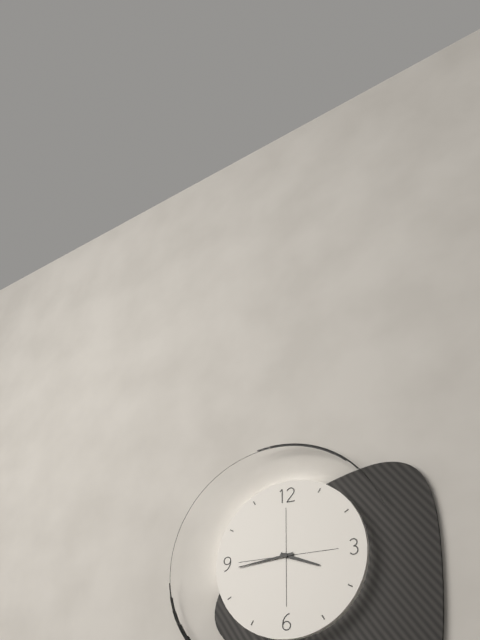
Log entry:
3 h 44 min
